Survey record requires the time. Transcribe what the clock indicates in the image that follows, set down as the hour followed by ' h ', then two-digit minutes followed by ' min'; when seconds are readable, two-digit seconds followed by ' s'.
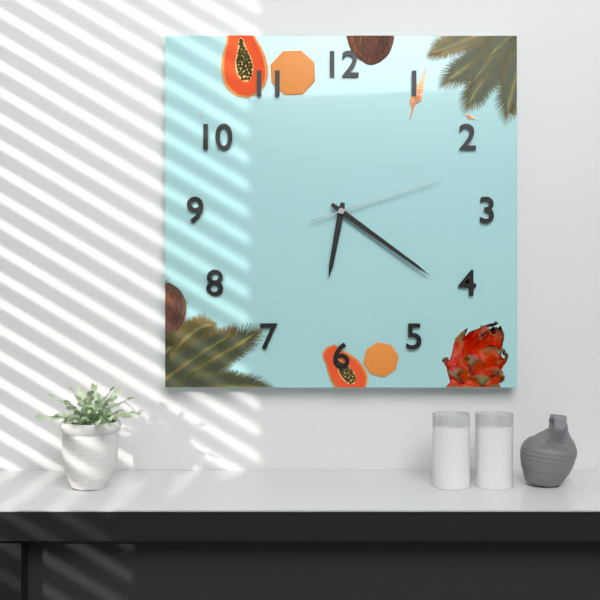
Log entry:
6 h 21 min 12 s
